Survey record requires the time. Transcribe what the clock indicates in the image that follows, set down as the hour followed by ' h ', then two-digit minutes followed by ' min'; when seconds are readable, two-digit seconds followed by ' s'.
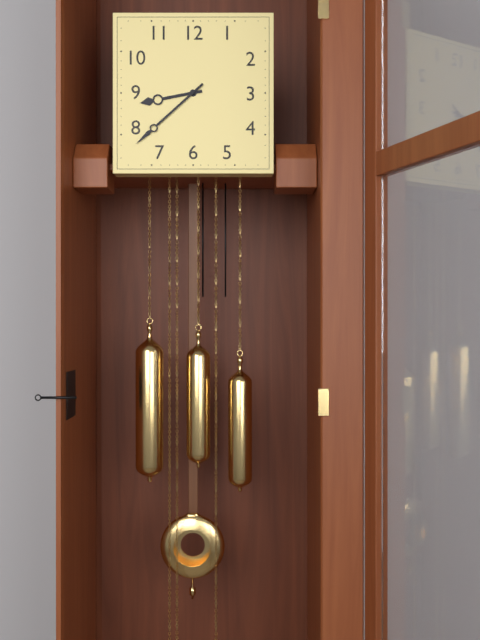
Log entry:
8 h 38 min
